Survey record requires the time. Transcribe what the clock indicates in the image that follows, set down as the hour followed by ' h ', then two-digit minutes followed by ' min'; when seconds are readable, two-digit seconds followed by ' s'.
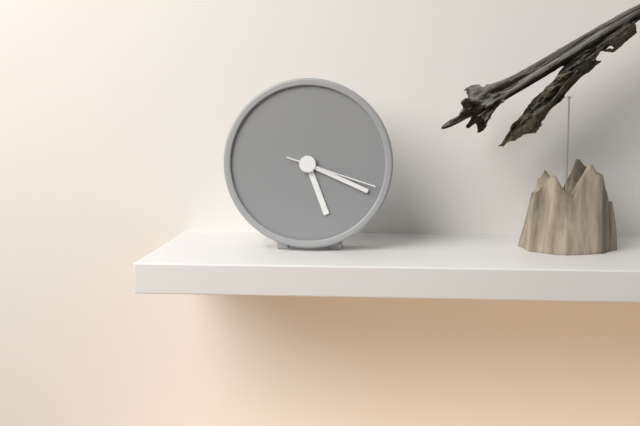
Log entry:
5 h 19 min 18 s
